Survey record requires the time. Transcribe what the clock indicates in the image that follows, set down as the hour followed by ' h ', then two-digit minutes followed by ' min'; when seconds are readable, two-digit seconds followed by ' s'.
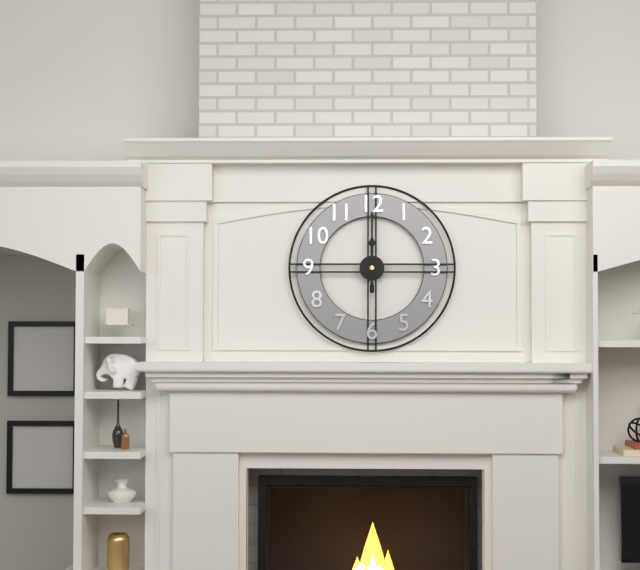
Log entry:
12 h 00 min
